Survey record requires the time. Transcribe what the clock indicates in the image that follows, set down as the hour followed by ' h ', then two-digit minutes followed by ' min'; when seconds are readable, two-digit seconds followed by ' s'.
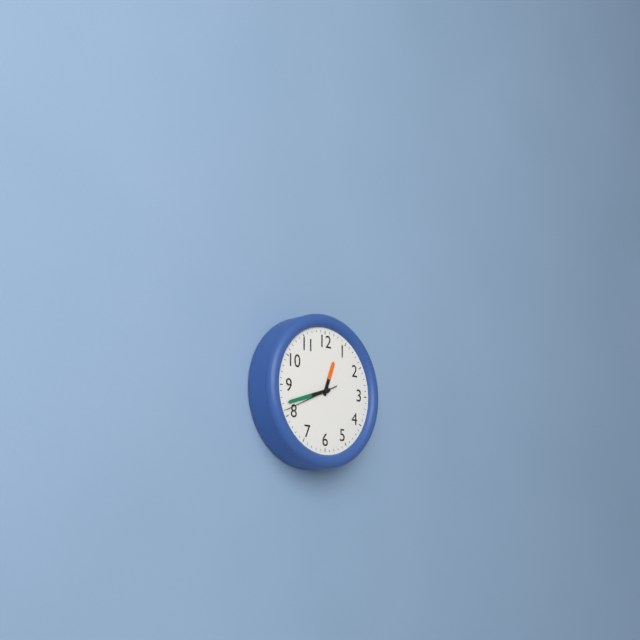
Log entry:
12 h 42 min 41 s
